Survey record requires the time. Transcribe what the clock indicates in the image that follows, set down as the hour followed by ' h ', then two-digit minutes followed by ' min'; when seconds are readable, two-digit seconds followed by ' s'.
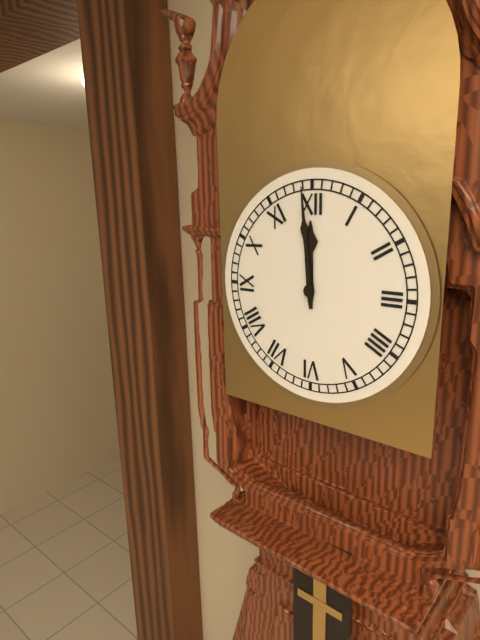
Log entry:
11 h 59 min
